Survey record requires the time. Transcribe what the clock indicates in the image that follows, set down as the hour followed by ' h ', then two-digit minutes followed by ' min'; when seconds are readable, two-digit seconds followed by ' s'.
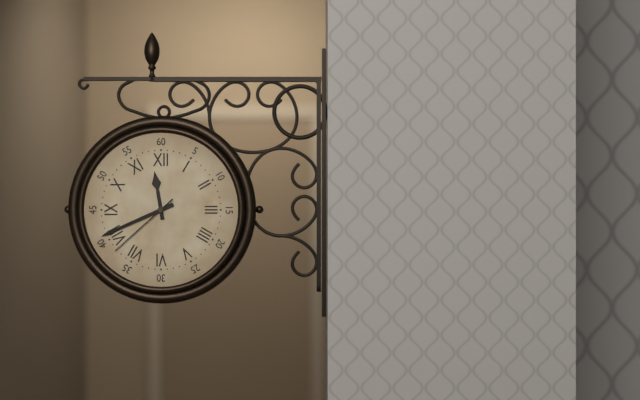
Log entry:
11 h 41 min 38 s
